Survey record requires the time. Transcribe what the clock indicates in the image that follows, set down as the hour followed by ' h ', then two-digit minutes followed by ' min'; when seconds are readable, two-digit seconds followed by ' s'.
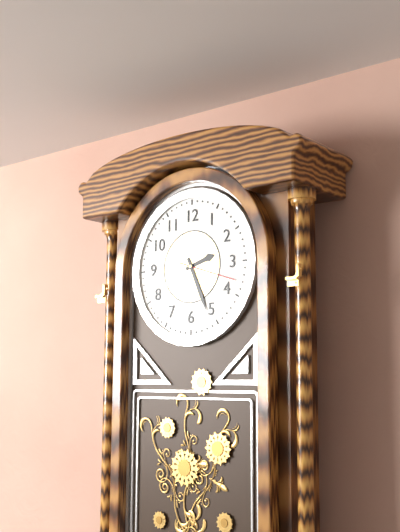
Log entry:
2 h 26 min
